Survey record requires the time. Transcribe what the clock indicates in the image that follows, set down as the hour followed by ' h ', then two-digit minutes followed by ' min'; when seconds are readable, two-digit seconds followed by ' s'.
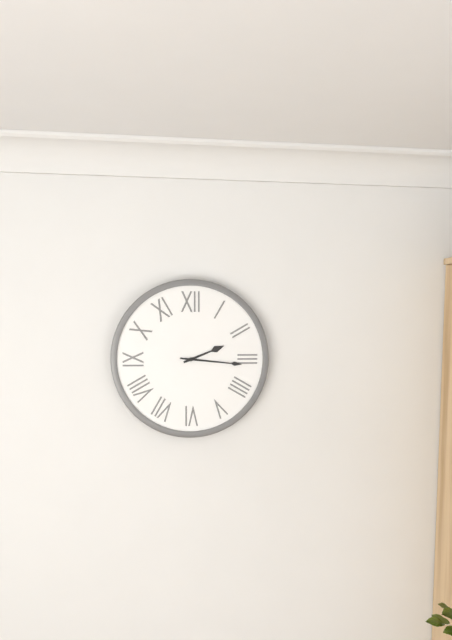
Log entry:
2 h 16 min
